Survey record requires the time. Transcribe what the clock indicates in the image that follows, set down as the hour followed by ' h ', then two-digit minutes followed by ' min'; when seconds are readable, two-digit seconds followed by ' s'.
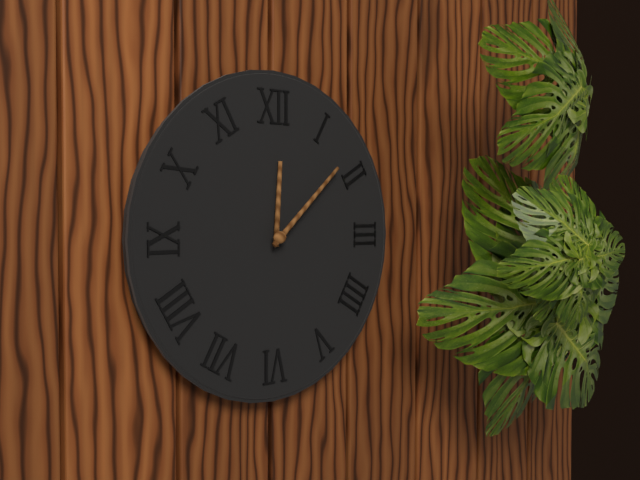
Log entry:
12 h 08 min
